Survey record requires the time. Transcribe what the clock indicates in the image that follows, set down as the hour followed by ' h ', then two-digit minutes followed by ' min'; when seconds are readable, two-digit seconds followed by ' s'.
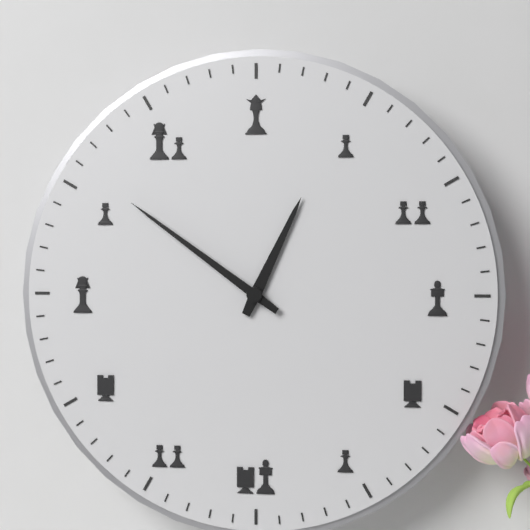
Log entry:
12 h 51 min
